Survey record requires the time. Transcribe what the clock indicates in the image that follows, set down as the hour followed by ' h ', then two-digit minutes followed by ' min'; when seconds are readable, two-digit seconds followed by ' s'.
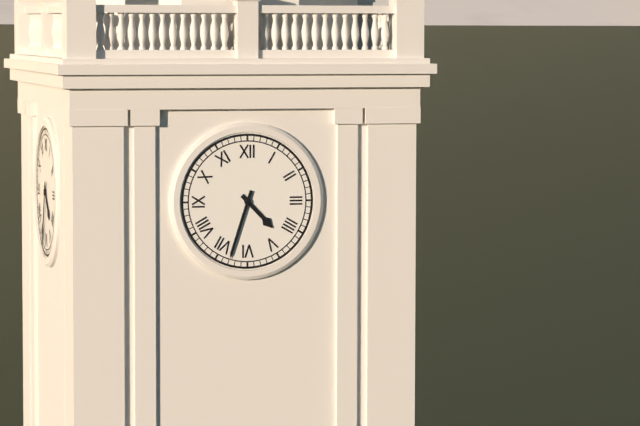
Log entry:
4 h 33 min
